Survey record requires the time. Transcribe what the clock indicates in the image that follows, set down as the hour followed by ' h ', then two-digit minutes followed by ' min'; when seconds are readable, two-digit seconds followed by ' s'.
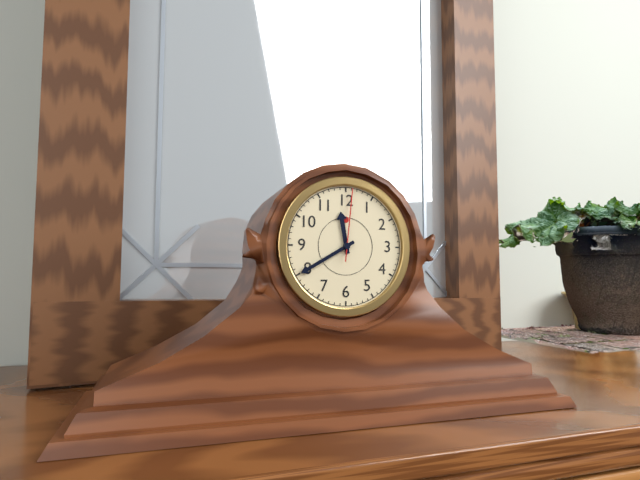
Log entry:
11 h 40 min 01 s
